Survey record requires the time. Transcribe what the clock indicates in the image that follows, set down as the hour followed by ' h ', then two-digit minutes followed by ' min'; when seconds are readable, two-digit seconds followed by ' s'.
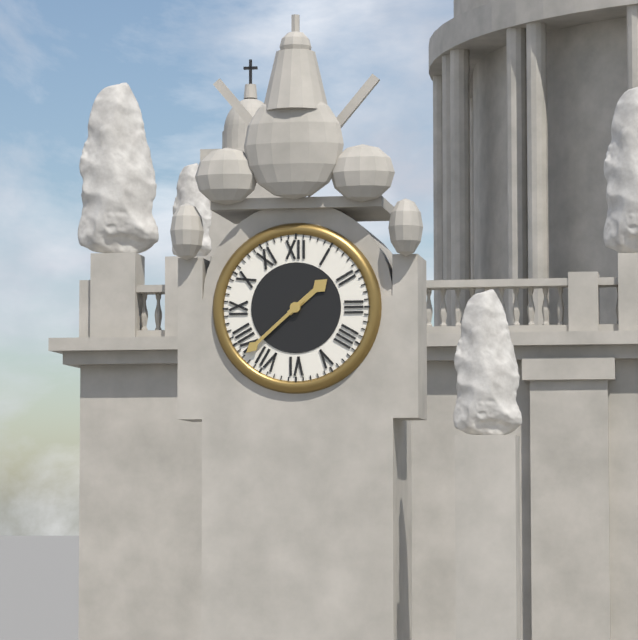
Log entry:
1 h 38 min
